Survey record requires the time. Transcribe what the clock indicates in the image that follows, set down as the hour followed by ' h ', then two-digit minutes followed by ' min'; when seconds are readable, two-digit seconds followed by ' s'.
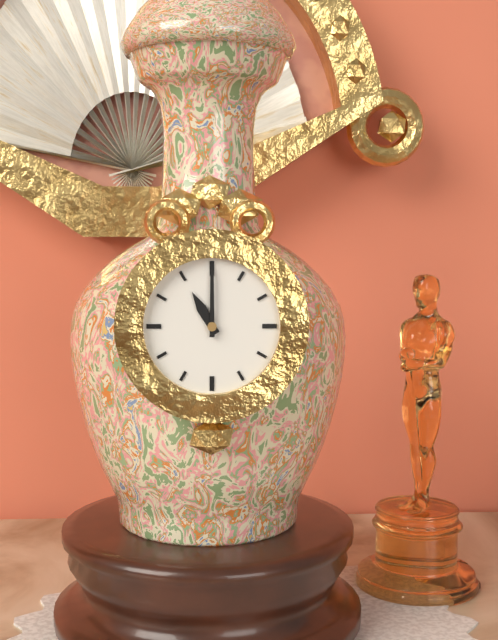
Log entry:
11 h 00 min
